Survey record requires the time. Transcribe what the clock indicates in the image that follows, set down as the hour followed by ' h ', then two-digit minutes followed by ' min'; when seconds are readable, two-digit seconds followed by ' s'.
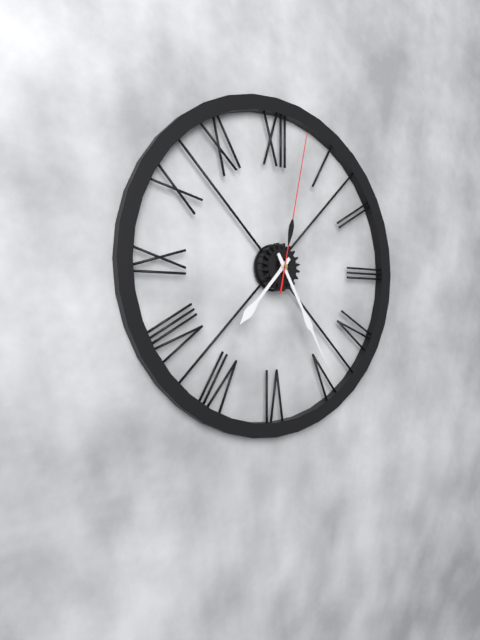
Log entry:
7 h 25 min 02 s
